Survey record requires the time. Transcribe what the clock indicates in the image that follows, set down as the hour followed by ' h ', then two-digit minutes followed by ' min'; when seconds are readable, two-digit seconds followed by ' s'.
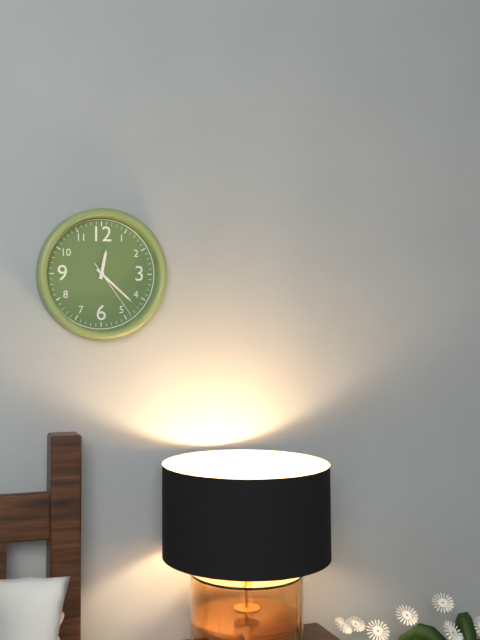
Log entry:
12 h 22 min 24 s
